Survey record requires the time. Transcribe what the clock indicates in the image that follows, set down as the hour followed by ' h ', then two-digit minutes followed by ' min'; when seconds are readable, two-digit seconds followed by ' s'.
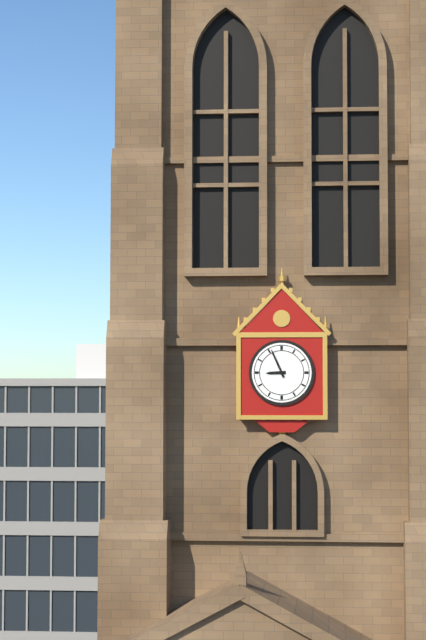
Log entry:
8 h 56 min
